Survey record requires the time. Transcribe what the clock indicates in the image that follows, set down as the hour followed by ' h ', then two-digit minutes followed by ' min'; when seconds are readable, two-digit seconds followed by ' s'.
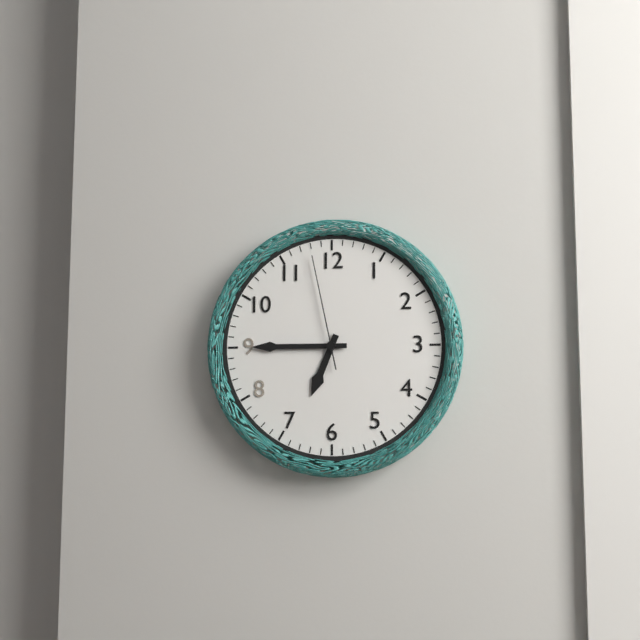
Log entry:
6 h 45 min 58 s
